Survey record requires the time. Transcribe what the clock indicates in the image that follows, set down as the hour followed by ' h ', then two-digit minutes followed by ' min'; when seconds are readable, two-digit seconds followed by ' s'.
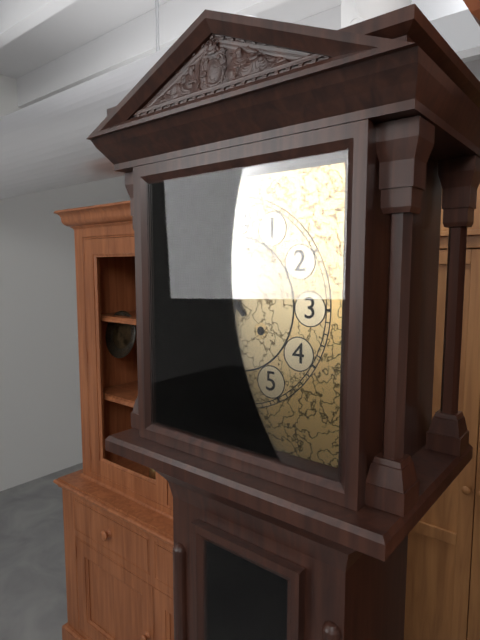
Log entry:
10 h 31 min
